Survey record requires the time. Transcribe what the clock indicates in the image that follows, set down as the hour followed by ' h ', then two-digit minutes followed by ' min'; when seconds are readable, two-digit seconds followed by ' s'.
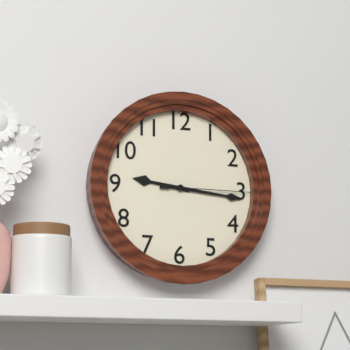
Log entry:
9 h 16 min 15 s
